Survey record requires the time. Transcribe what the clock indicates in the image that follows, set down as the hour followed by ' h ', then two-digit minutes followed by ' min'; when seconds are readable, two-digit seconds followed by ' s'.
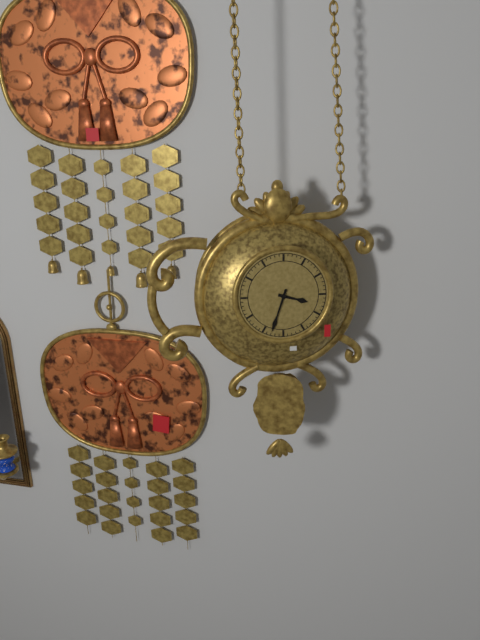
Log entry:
3 h 33 min
